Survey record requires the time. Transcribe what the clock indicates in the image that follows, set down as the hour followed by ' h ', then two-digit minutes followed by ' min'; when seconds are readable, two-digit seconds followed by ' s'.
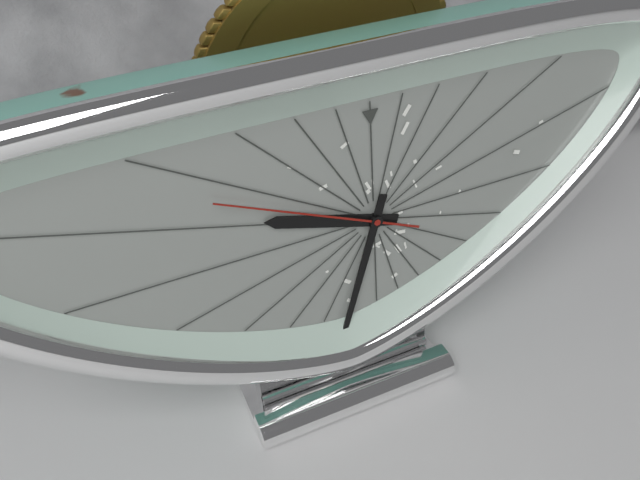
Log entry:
9 h 33 min 49 s
